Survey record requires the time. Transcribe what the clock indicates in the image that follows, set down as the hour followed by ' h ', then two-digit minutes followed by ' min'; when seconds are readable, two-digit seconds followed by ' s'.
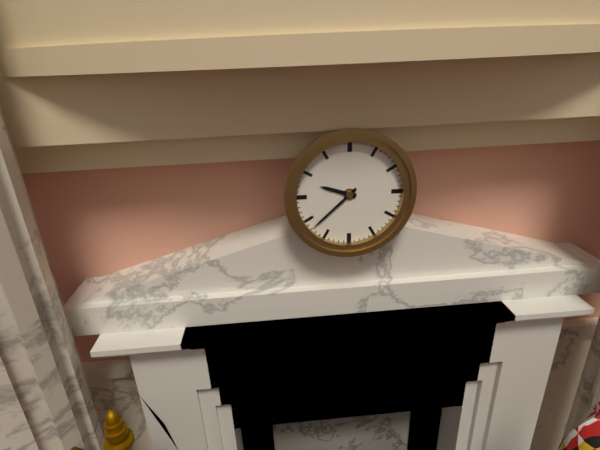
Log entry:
9 h 38 min
